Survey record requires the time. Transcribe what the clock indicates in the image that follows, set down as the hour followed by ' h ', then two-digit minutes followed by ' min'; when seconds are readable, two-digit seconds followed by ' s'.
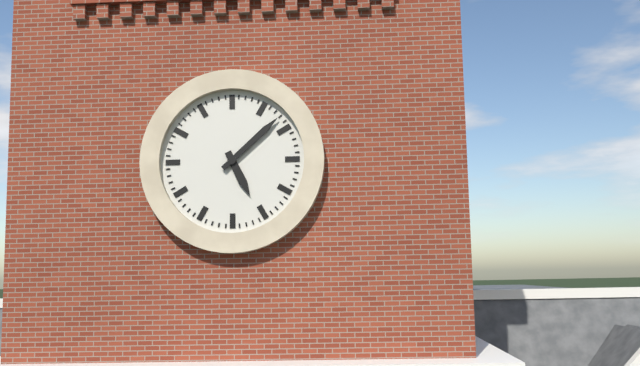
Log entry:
5 h 08 min
